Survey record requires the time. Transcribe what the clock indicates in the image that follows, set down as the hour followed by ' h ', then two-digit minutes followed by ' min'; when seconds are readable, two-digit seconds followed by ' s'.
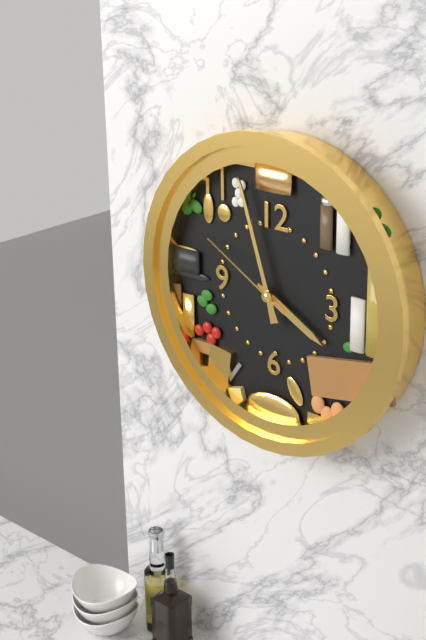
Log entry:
3 h 57 min 50 s
